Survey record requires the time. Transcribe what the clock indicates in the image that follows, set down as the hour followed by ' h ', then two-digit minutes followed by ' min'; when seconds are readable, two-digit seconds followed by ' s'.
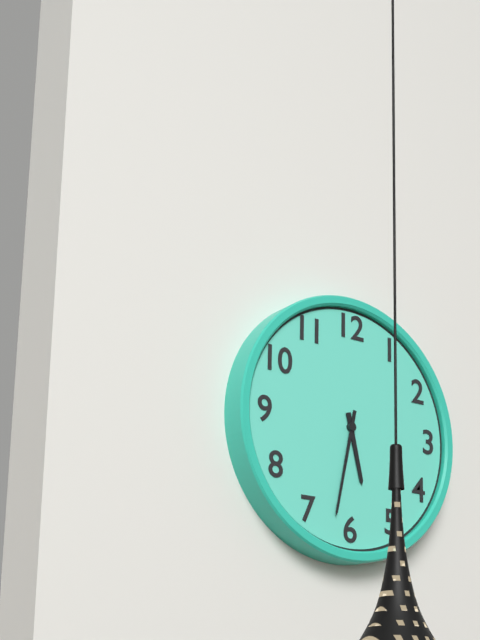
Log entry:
5 h 32 min
